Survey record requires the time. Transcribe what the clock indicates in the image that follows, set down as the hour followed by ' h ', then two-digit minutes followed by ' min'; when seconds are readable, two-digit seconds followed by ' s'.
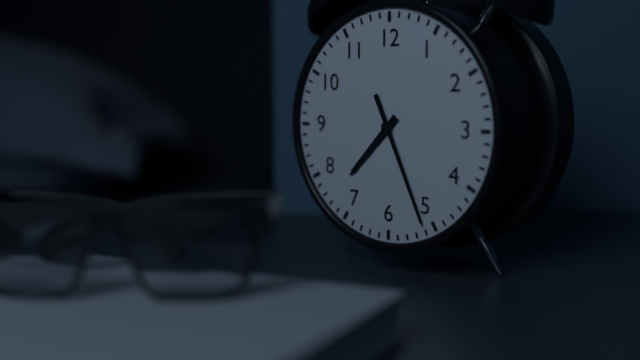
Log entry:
7 h 26 min
